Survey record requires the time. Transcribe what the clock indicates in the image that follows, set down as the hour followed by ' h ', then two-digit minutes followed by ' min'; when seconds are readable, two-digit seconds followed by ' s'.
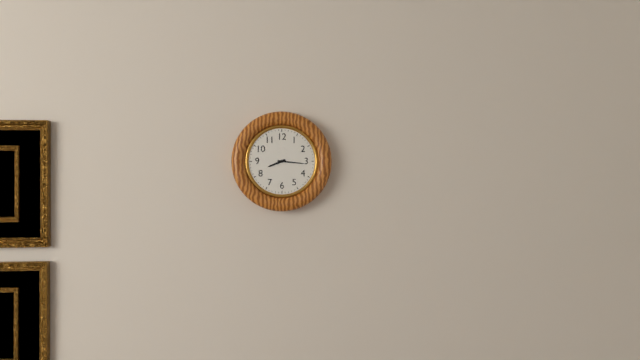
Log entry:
8 h 16 min
